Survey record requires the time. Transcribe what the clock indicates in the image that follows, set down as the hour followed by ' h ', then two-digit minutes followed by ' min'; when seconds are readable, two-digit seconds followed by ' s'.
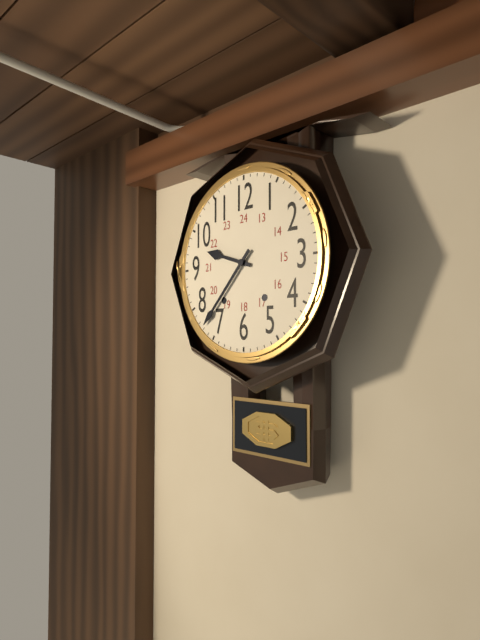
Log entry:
9 h 37 min
